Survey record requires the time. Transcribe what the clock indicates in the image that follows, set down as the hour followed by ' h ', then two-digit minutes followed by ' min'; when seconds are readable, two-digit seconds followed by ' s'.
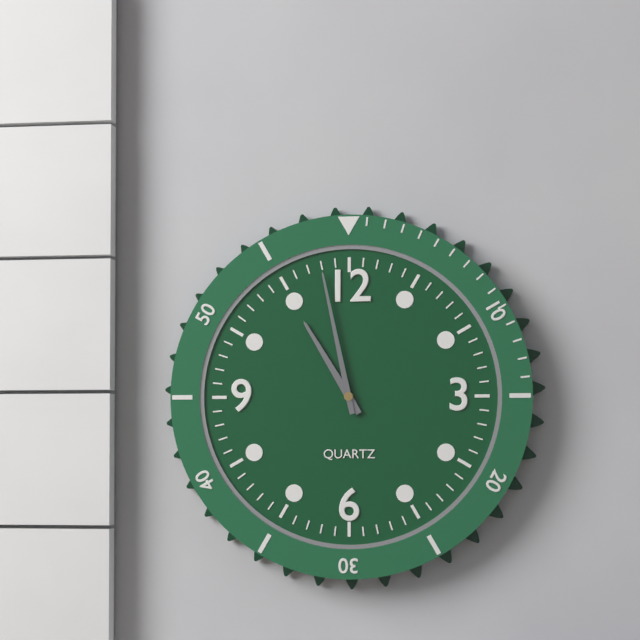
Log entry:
10 h 58 min
